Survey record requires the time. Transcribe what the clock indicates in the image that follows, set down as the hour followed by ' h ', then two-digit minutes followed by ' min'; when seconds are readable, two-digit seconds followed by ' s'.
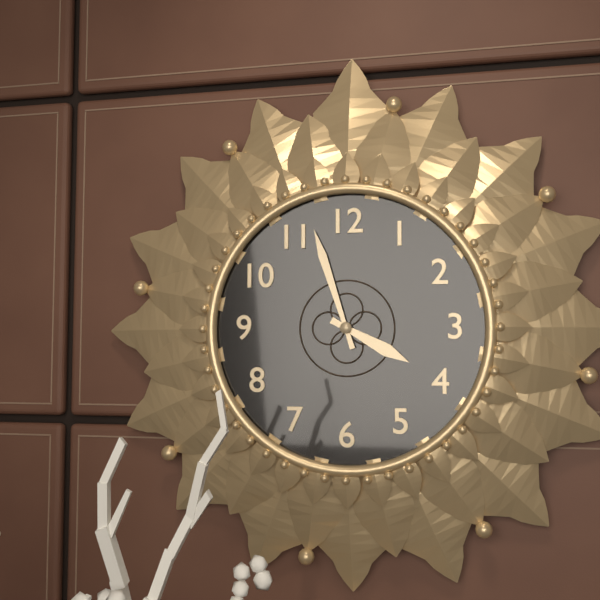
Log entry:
3 h 57 min
